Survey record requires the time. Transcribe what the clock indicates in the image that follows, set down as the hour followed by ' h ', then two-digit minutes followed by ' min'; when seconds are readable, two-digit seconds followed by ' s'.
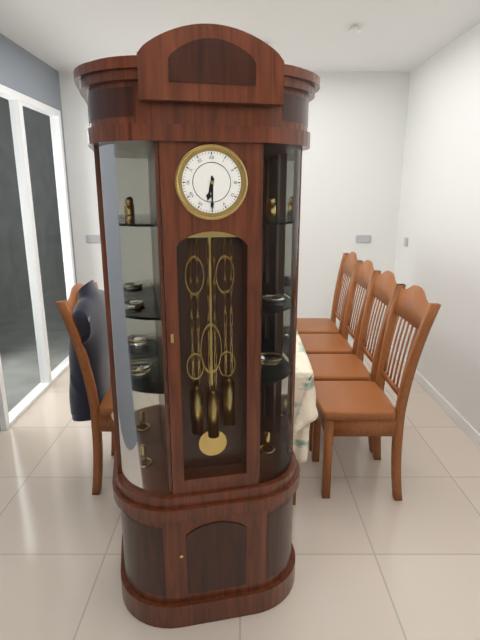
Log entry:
6 h 30 min
